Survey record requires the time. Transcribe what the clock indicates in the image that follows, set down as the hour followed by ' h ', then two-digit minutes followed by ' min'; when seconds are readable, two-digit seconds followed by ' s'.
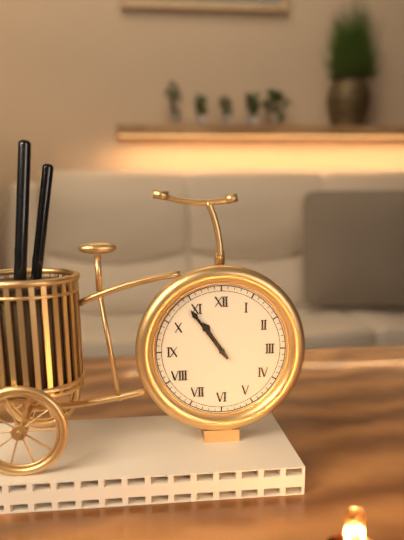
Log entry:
10 h 54 min
